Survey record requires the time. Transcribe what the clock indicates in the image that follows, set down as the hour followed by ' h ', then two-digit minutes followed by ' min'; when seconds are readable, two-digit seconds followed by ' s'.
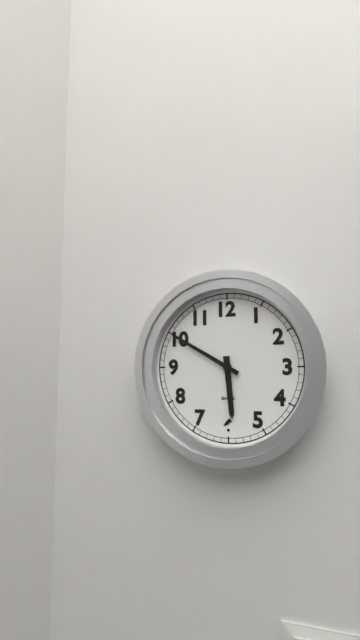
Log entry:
5 h 50 min
